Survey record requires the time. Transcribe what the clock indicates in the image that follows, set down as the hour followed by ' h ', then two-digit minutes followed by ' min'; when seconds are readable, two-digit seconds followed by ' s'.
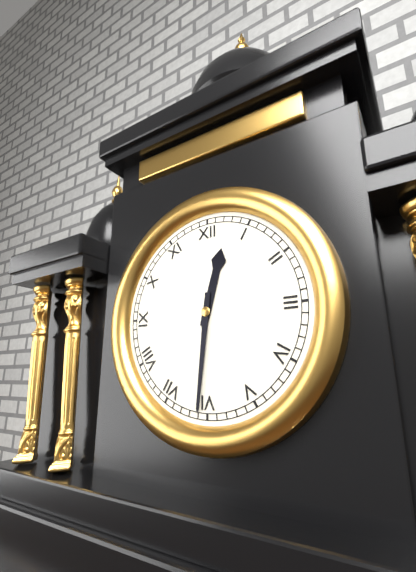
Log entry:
12 h 31 min
